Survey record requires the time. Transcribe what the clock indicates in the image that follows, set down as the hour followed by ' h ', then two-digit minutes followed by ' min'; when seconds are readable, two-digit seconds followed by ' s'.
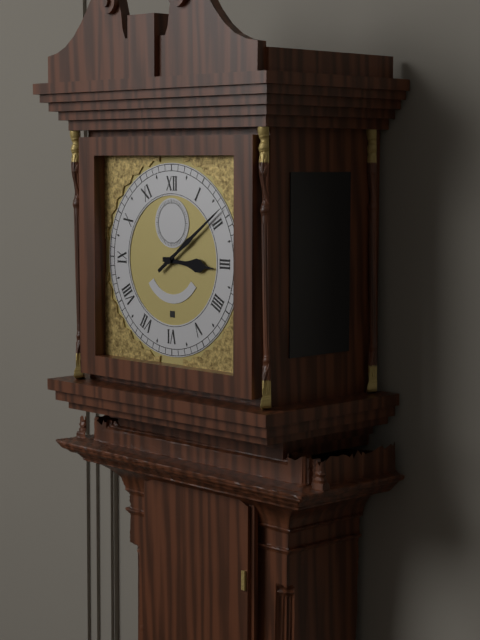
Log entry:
3 h 09 min
